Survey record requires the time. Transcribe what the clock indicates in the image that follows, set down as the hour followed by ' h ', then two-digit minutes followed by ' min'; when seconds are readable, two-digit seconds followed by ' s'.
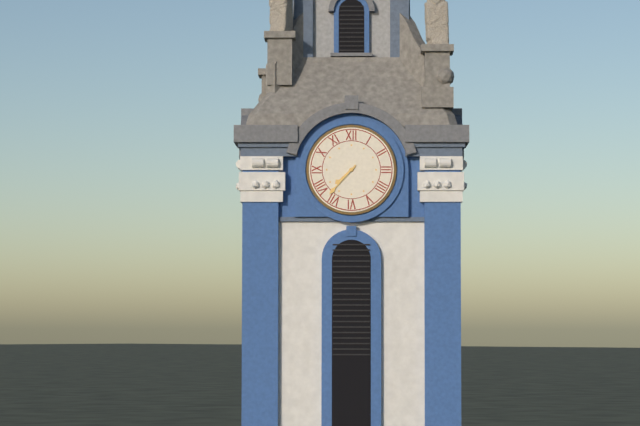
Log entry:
7 h 37 min
